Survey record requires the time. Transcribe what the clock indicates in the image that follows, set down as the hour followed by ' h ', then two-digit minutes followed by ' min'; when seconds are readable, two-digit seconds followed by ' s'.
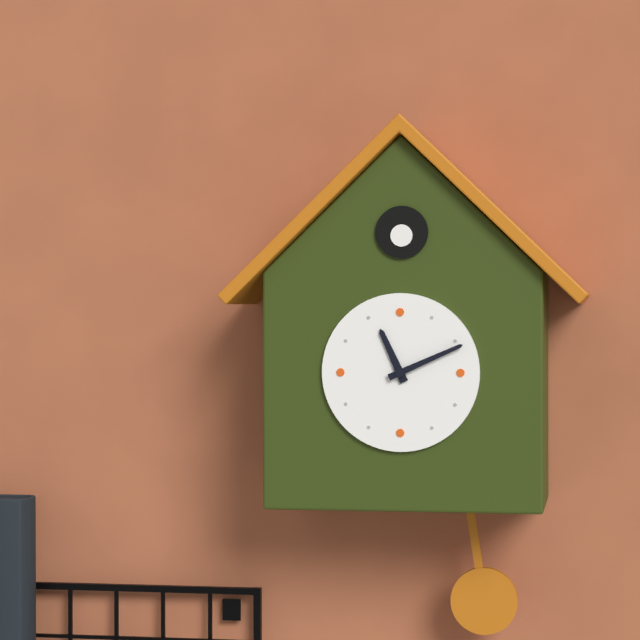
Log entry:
11 h 11 min
